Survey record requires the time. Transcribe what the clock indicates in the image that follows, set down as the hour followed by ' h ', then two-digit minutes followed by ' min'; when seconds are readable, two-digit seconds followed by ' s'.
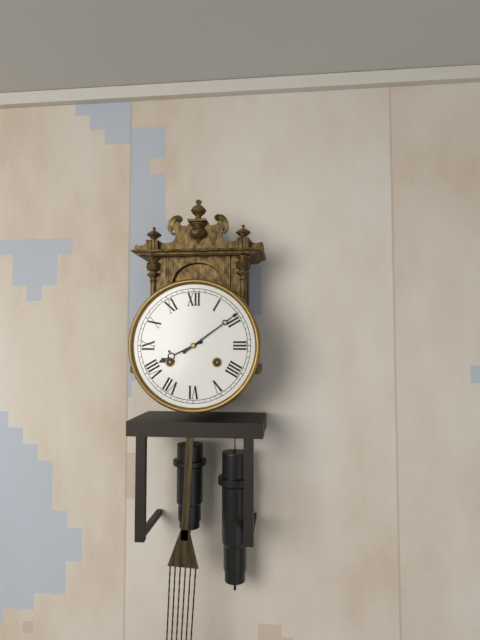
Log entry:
8 h 09 min
